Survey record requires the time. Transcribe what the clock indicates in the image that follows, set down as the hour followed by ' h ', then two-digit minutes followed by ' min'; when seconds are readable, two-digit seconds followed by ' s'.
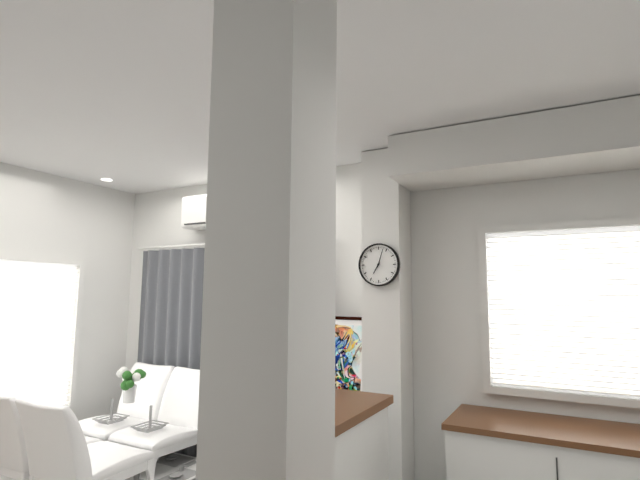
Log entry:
7 h 03 min
